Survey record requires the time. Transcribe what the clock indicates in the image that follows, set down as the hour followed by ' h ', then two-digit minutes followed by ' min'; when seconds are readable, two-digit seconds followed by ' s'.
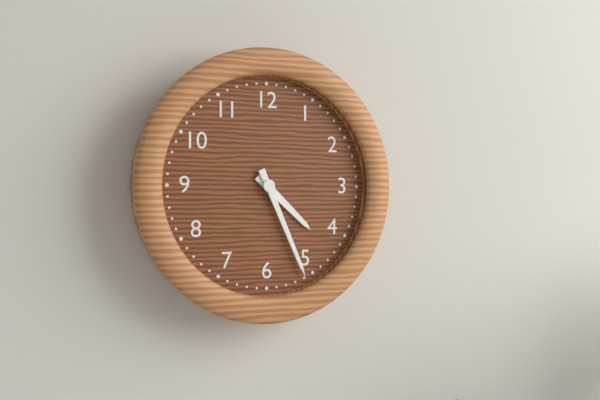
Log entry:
4 h 26 min
